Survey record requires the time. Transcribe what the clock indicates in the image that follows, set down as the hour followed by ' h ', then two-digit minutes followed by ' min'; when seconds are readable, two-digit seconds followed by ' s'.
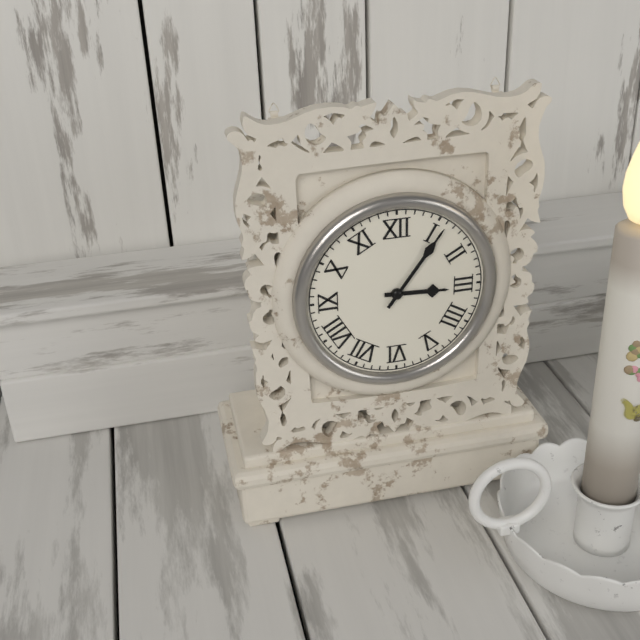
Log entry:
3 h 06 min
